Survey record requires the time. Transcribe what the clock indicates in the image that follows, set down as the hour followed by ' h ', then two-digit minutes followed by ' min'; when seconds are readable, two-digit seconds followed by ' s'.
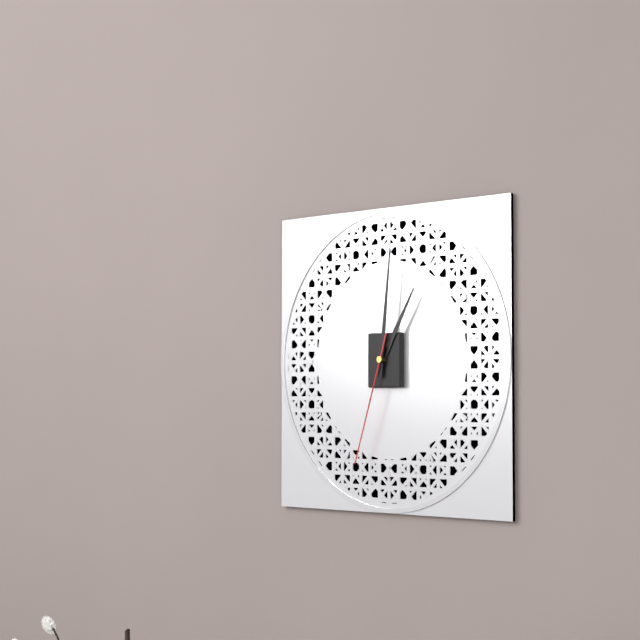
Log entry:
1 h 01 min 33 s
